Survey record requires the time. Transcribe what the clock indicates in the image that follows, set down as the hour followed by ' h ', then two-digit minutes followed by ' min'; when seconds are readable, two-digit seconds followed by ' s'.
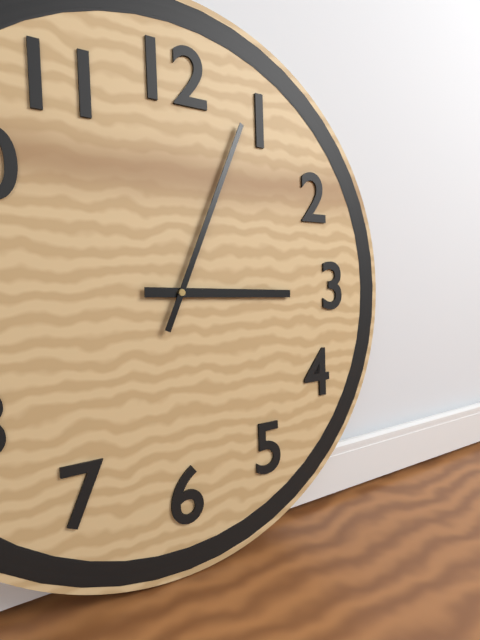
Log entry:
3 h 04 min
